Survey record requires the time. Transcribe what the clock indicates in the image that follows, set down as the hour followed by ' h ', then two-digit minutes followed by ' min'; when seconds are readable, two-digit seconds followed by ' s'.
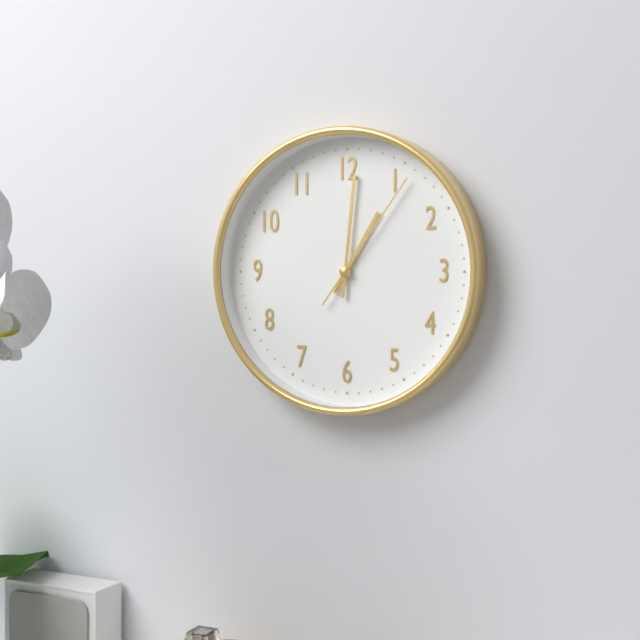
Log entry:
1 h 01 min 06 s
